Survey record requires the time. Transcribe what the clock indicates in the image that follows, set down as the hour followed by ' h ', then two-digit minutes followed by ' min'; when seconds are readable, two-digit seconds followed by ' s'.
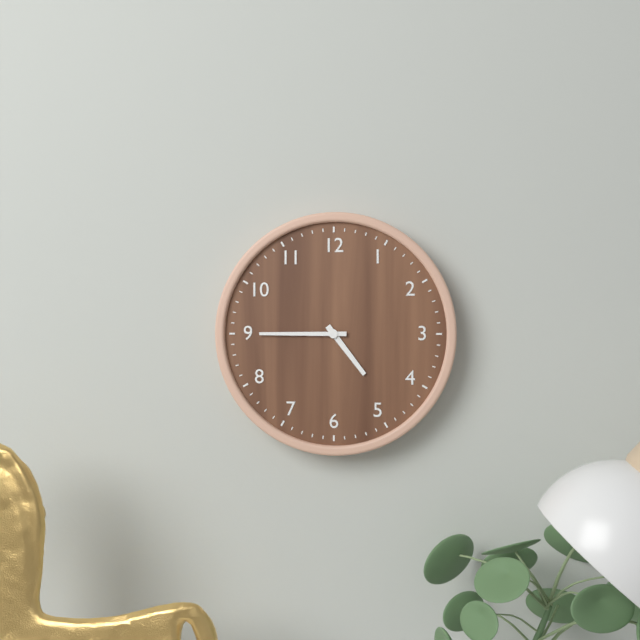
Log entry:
4 h 45 min
